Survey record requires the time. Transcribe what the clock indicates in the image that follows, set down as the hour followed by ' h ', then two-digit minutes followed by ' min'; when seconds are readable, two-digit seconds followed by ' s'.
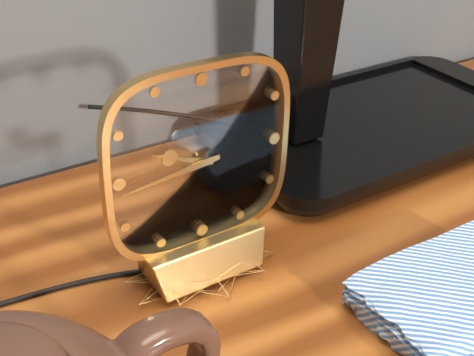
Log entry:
9 h 44 min
